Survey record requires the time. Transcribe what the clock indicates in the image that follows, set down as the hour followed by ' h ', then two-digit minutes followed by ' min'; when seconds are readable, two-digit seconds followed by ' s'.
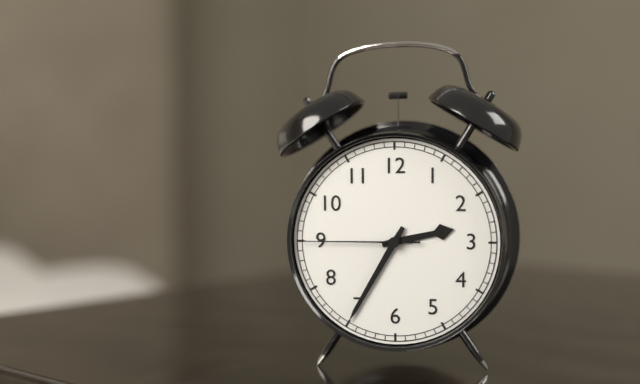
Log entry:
2 h 35 min 45 s
